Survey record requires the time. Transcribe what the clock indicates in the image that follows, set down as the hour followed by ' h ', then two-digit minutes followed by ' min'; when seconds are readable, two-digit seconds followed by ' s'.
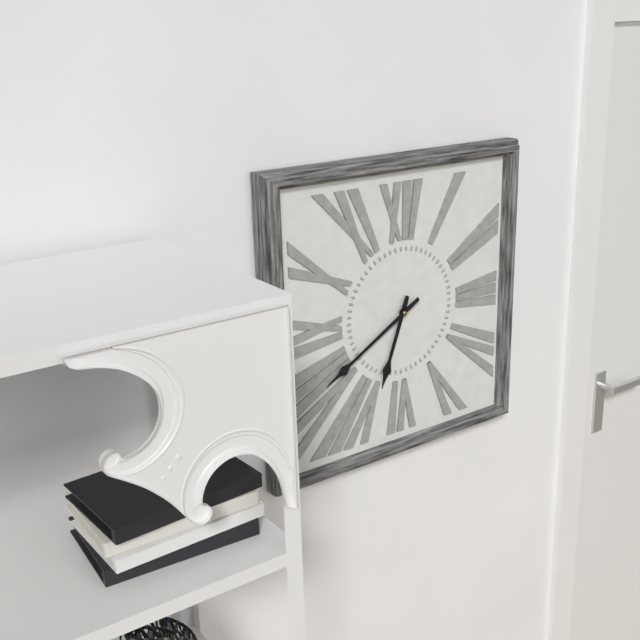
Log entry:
6 h 40 min
